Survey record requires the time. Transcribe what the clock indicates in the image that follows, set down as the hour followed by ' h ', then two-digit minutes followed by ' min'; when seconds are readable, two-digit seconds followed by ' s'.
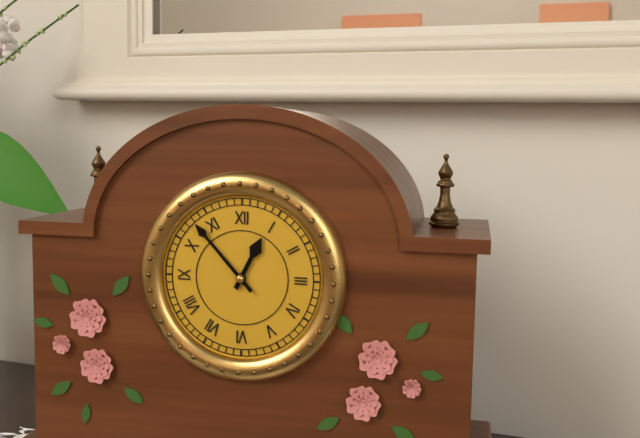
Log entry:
12 h 53 min
